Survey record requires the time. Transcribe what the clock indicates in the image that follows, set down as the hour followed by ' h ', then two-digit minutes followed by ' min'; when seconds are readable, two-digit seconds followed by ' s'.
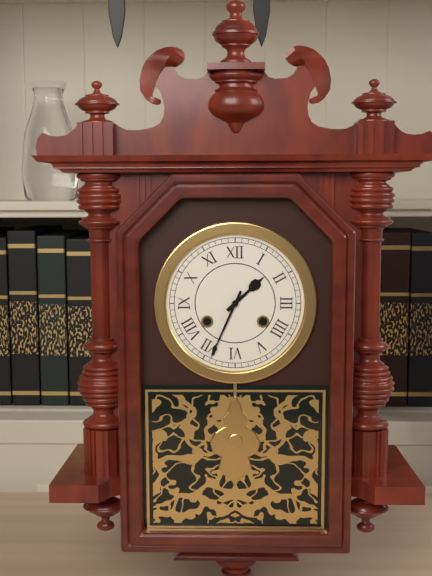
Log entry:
1 h 34 min
